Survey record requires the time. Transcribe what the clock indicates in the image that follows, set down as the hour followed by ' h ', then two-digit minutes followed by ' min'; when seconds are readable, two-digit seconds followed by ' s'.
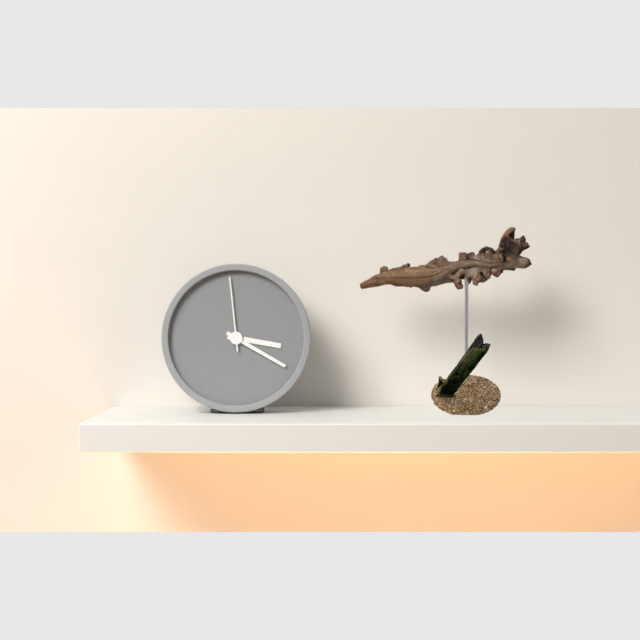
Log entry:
3 h 20 min 59 s
